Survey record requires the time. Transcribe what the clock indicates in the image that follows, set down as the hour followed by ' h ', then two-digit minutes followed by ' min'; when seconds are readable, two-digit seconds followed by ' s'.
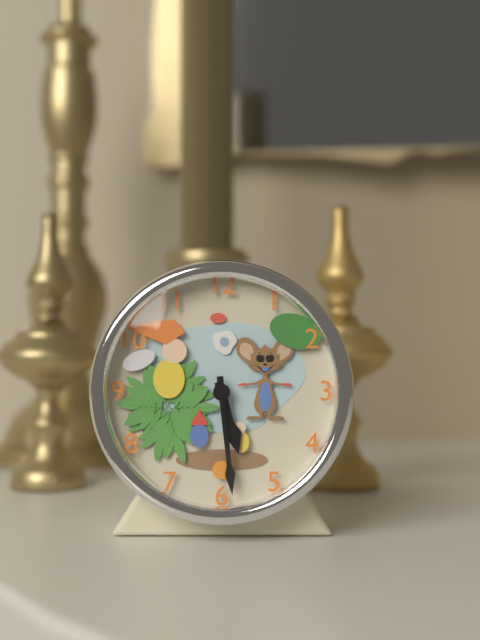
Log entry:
5 h 29 min
